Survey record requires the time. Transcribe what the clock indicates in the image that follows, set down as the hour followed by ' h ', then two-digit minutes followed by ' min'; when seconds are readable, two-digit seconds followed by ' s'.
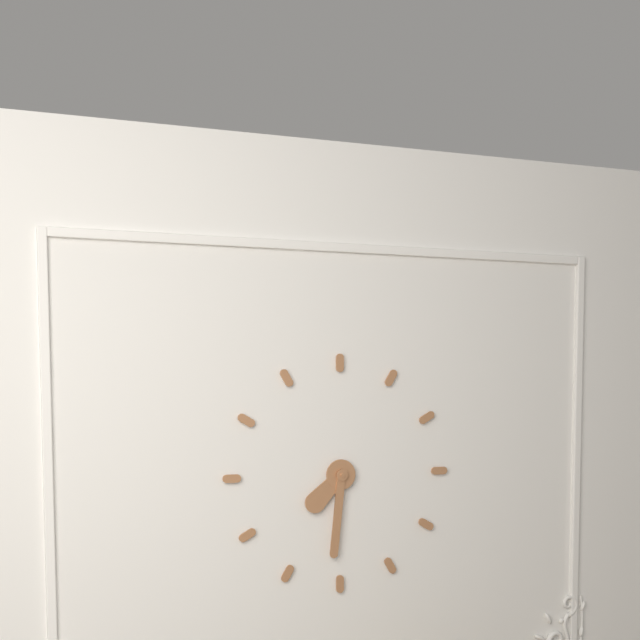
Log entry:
7 h 31 min
